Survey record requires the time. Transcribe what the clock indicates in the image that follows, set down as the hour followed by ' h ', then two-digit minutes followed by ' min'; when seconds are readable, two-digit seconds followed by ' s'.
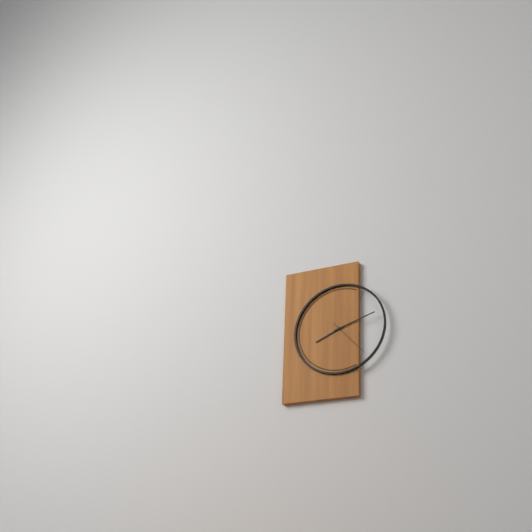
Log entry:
8 h 12 min
